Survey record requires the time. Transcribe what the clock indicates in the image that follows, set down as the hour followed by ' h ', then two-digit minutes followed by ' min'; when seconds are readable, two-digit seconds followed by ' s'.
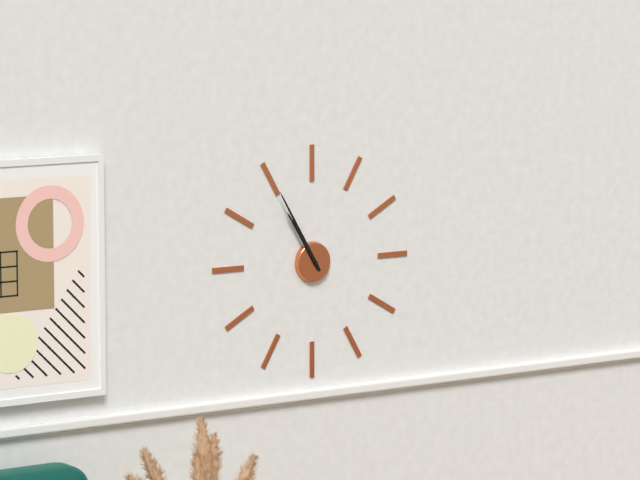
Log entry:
10 h 55 min
